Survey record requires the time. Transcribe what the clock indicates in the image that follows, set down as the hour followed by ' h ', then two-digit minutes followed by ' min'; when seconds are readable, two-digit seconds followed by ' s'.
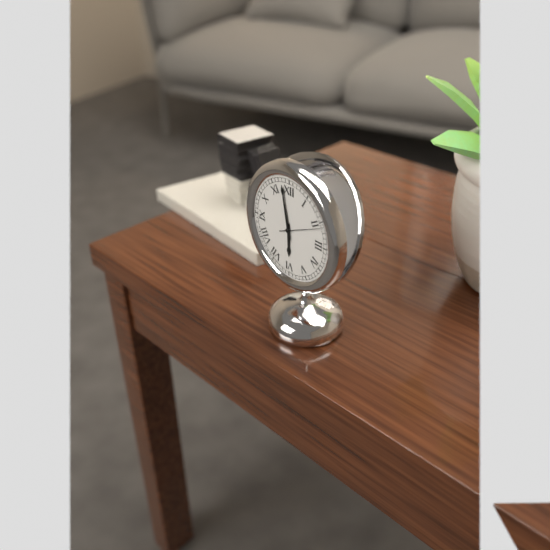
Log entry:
5 h 58 min
